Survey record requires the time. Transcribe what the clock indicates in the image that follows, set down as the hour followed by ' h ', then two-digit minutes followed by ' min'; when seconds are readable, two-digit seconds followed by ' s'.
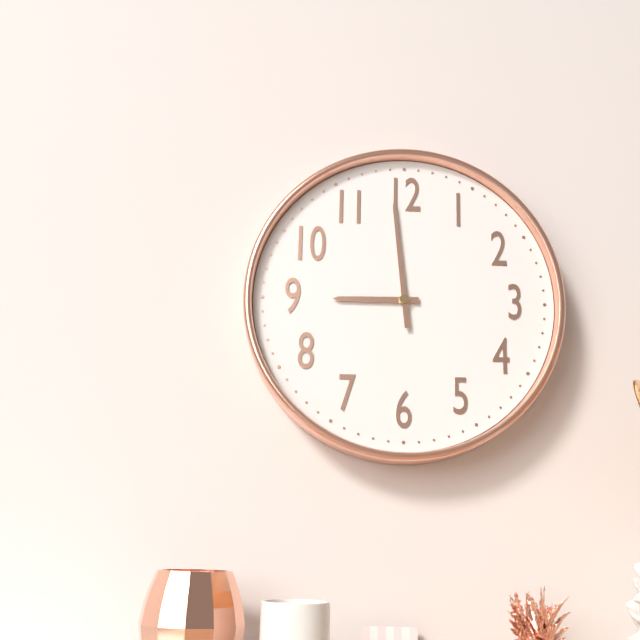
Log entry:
8 h 59 min
